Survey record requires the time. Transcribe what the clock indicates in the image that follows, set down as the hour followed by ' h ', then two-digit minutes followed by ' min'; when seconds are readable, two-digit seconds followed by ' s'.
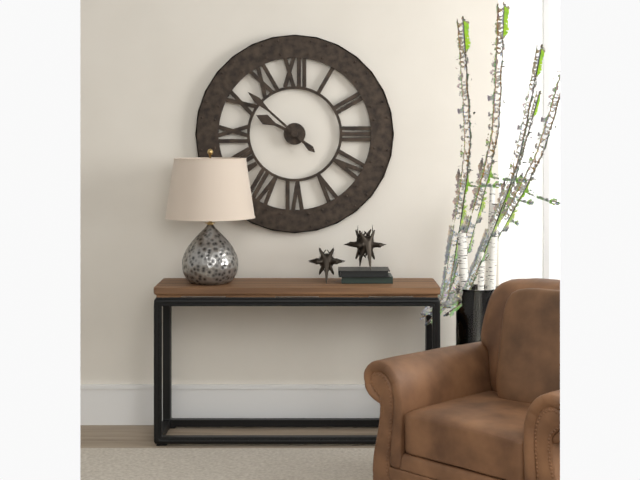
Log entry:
9 h 52 min
